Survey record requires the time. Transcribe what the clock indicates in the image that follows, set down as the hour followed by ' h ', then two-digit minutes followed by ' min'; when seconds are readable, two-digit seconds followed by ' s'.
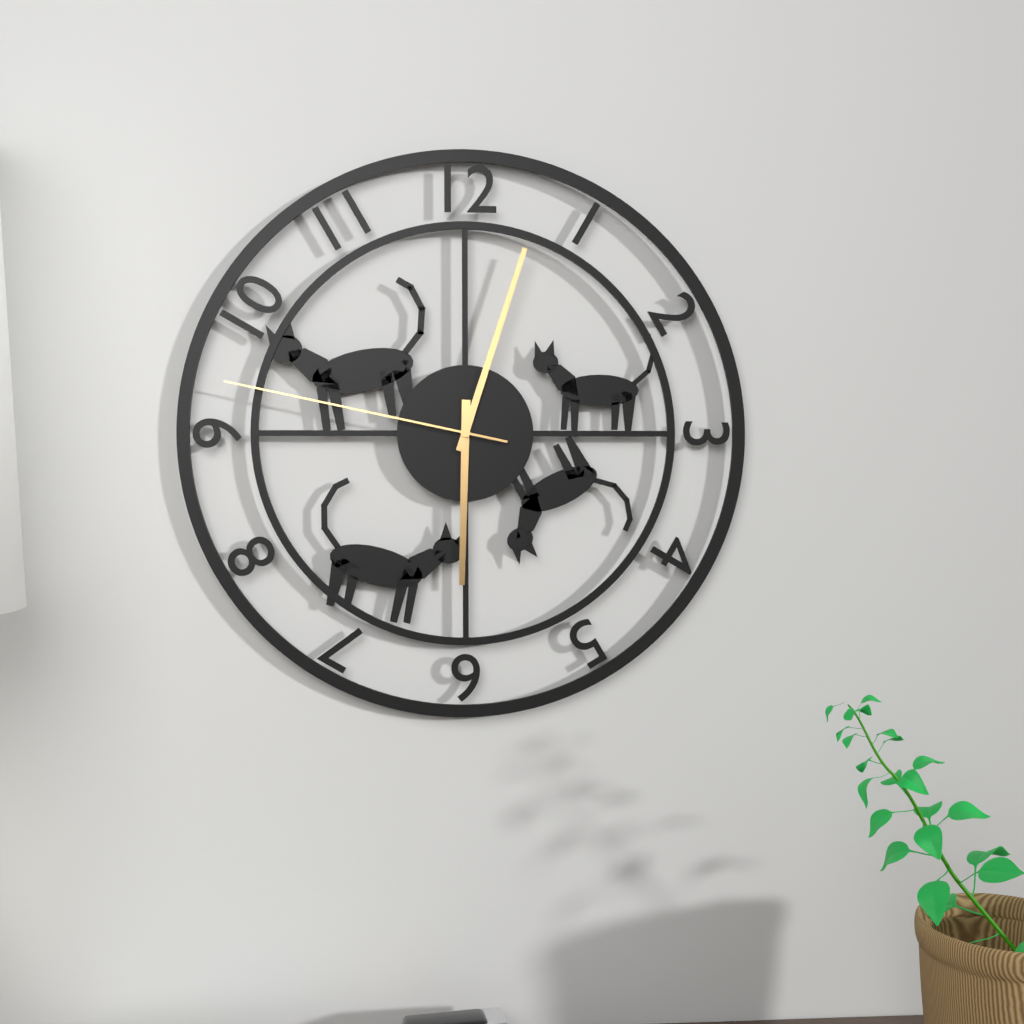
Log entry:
6 h 03 min 47 s
